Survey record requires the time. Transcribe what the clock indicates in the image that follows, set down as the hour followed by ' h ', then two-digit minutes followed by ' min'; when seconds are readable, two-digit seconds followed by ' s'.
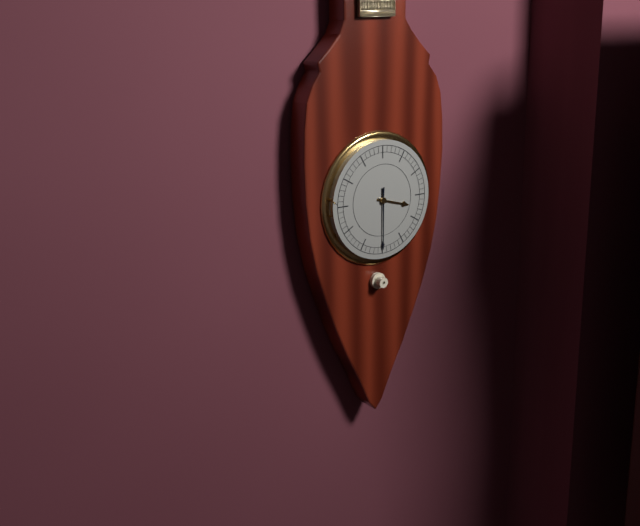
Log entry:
3 h 30 min
